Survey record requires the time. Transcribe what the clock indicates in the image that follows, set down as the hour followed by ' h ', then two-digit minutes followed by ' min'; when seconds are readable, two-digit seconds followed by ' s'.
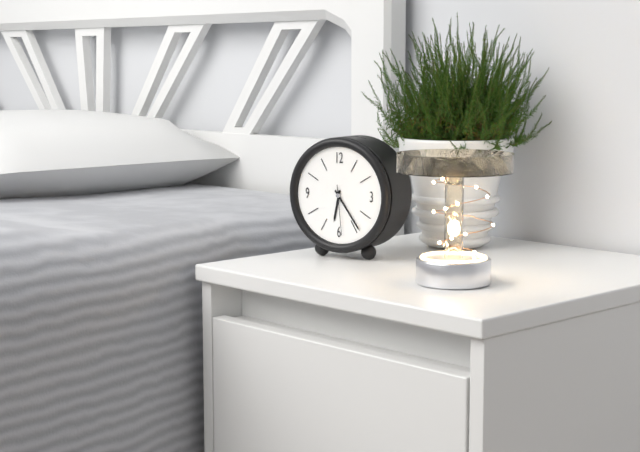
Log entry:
6 h 24 min
